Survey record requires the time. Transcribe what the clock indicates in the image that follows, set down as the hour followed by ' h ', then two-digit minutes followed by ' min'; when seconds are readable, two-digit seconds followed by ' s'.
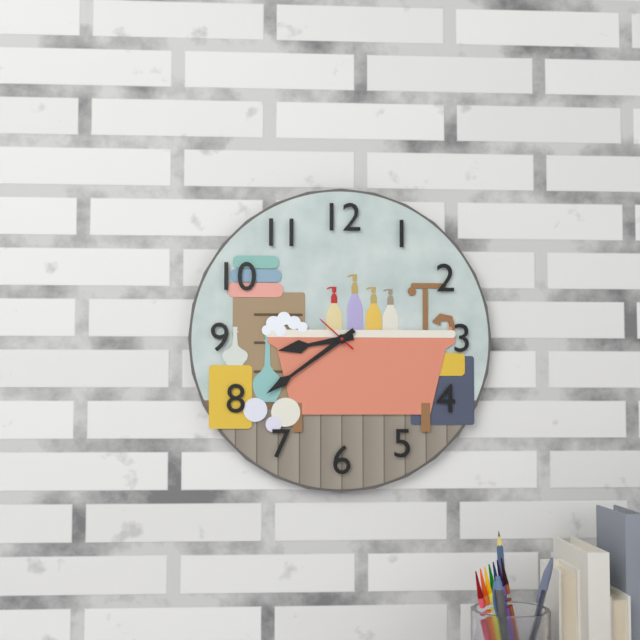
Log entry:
8 h 39 min
